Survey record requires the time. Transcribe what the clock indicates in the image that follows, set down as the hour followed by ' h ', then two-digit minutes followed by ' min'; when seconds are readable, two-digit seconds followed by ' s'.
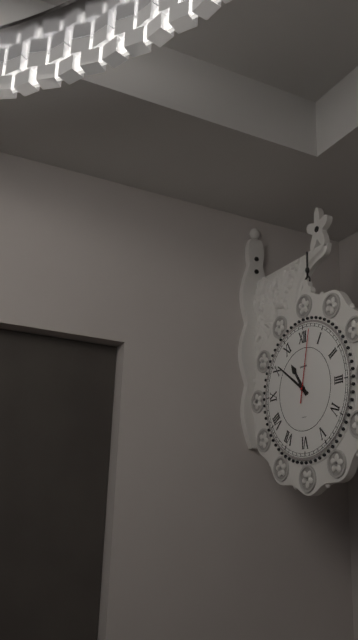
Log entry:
10 h 51 min 02 s
